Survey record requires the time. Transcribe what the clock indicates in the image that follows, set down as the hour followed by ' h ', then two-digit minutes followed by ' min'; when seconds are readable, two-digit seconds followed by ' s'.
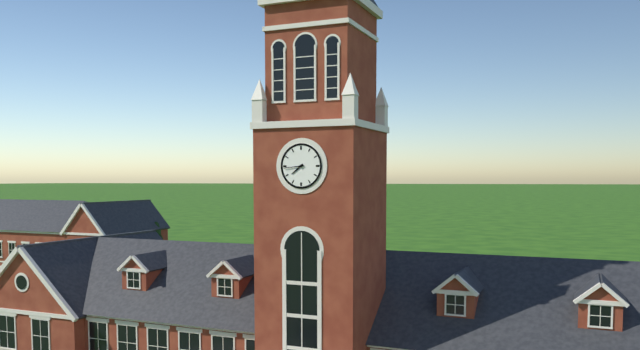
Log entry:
7 h 44 min
